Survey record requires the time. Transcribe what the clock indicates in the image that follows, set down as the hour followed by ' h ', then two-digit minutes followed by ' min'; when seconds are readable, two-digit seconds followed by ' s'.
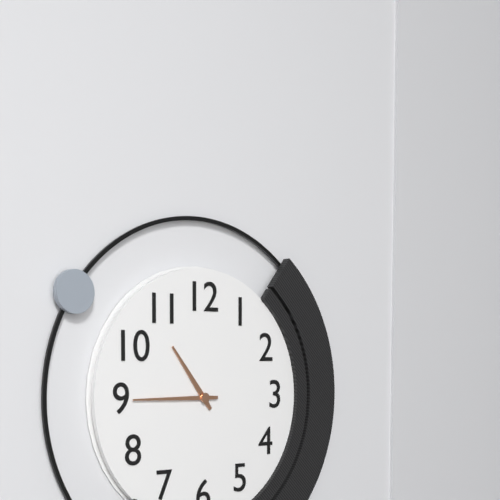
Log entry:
10 h 45 min
